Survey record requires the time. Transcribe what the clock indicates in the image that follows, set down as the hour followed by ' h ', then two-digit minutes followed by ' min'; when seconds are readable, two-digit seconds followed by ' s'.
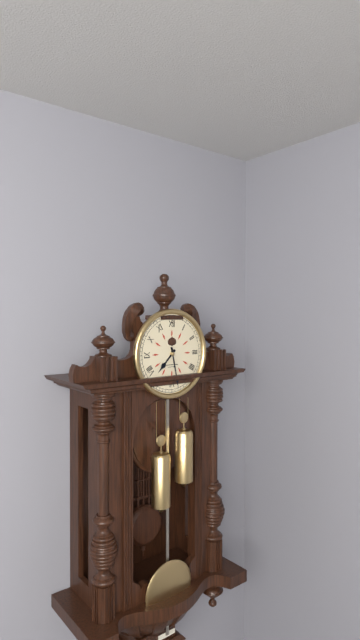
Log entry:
7 h 28 min
